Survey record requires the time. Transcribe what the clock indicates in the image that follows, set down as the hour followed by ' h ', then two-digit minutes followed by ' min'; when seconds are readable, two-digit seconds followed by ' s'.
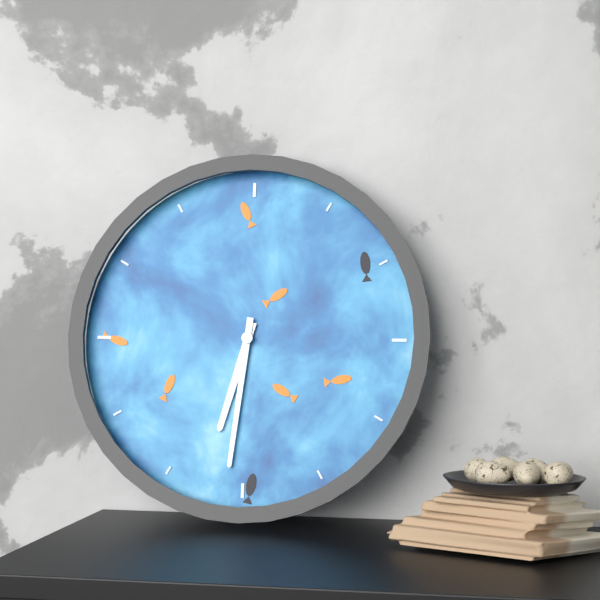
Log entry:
6 h 31 min
